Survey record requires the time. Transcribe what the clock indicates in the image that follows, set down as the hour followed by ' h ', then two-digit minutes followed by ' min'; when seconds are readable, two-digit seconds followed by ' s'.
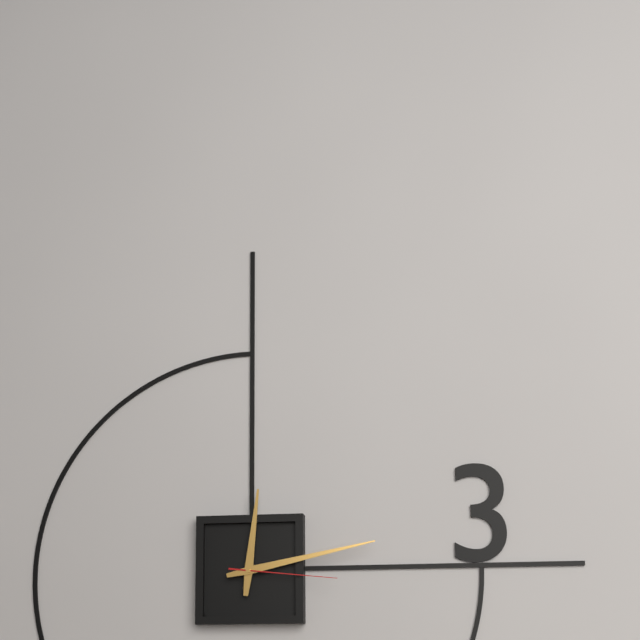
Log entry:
12 h 13 min 16 s
